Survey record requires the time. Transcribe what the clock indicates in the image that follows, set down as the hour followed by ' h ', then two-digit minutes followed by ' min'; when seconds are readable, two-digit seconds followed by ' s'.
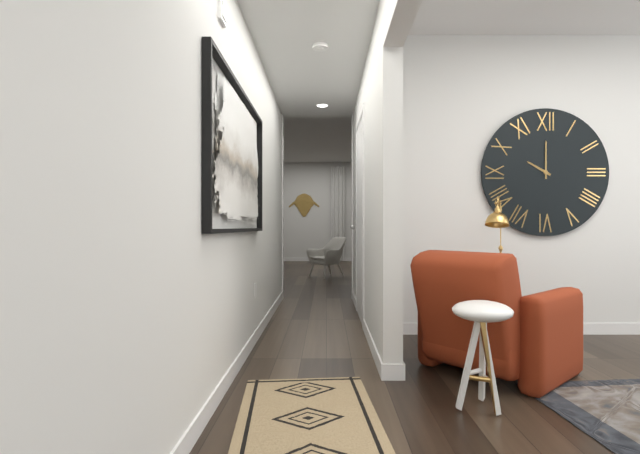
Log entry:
10 h 00 min
